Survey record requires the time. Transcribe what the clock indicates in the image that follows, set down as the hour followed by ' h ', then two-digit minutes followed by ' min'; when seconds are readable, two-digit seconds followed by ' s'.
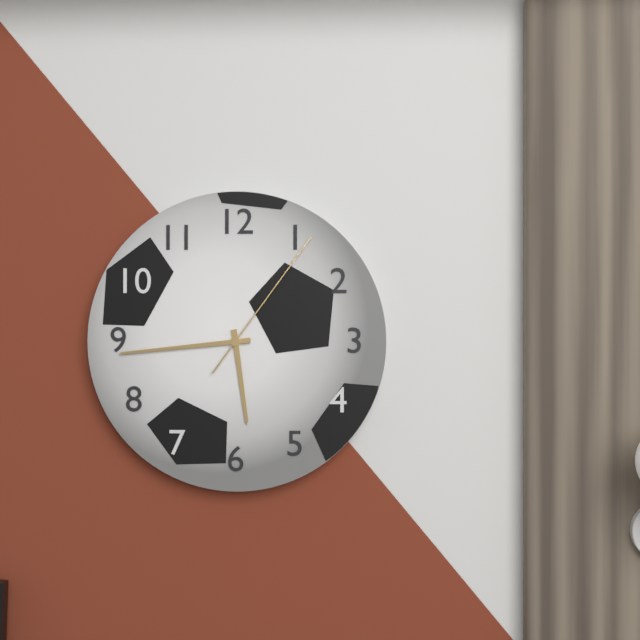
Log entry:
5 h 44 min 06 s
